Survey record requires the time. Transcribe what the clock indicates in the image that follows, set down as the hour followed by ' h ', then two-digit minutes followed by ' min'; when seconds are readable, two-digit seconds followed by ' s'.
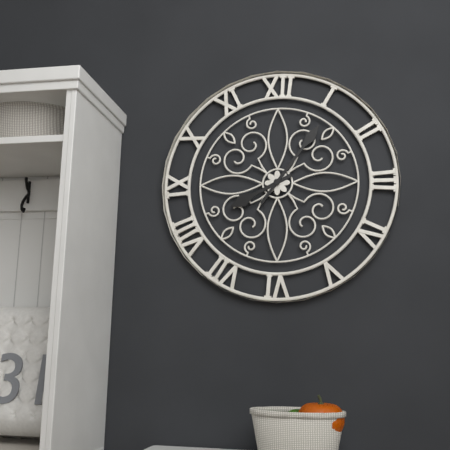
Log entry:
8 h 06 min
